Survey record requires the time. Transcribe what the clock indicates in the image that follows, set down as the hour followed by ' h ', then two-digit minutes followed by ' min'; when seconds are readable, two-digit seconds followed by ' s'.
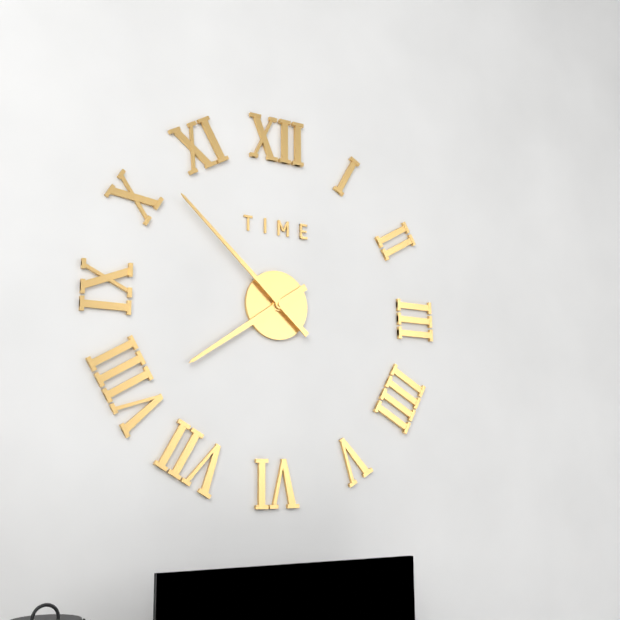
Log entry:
7 h 52 min
